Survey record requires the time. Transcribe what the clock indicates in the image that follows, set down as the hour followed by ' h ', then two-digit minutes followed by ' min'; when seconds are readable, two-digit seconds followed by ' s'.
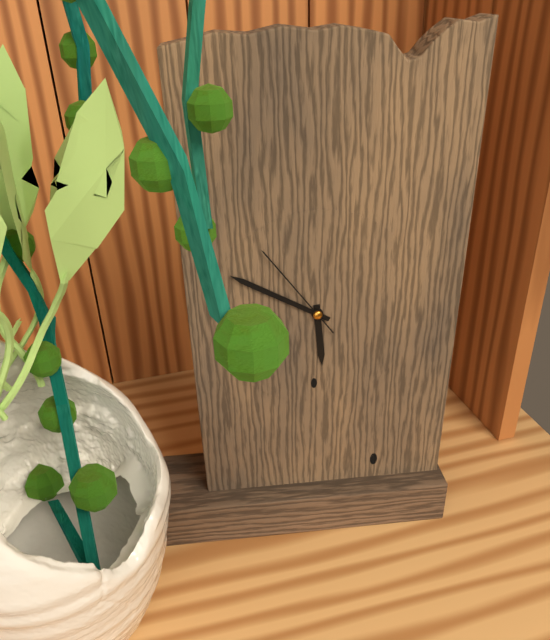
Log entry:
5 h 50 min 54 s
